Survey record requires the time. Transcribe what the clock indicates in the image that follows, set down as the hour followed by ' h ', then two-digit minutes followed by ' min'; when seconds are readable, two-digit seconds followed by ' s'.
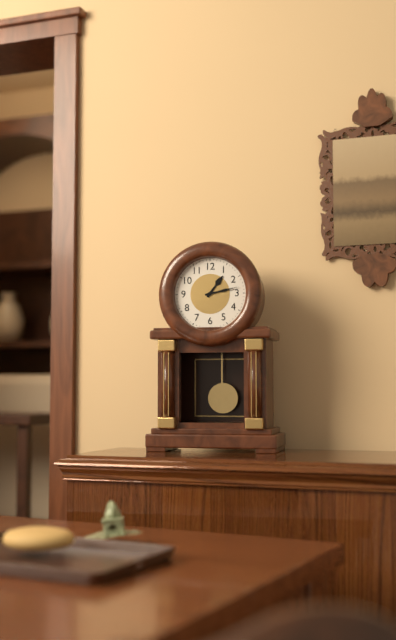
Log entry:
1 h 13 min
